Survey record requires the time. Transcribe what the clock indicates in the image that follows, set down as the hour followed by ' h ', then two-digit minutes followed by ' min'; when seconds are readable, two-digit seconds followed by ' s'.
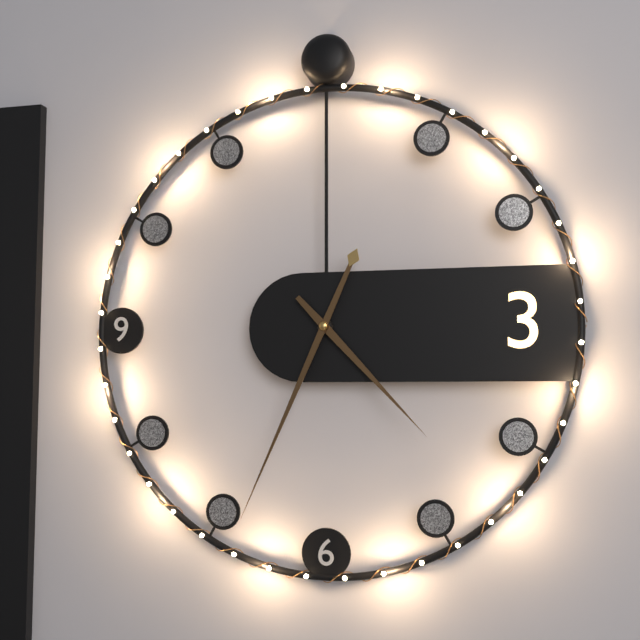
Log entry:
4 h 34 min
